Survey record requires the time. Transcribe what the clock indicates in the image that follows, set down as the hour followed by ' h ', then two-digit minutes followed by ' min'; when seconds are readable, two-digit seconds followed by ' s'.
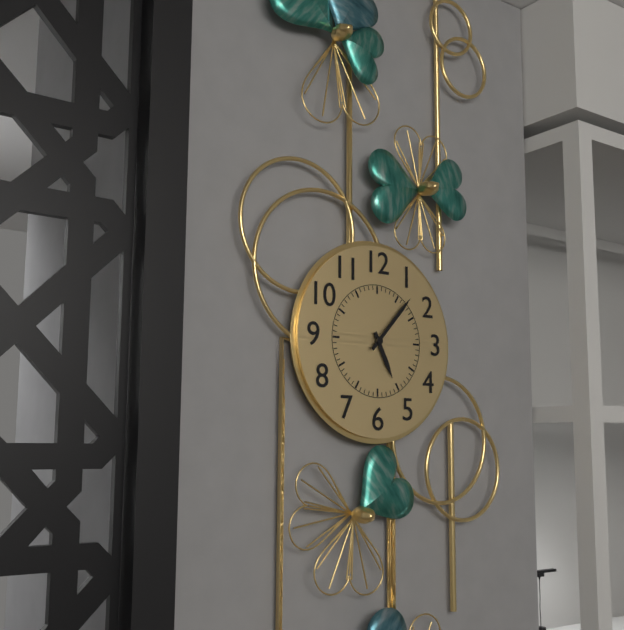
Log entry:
5 h 07 min
